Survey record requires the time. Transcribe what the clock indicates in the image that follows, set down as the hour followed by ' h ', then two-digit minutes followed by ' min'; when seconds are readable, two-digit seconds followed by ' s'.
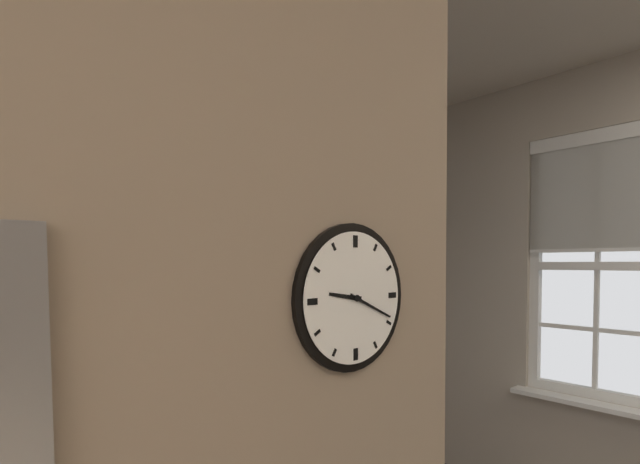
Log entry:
9 h 19 min
